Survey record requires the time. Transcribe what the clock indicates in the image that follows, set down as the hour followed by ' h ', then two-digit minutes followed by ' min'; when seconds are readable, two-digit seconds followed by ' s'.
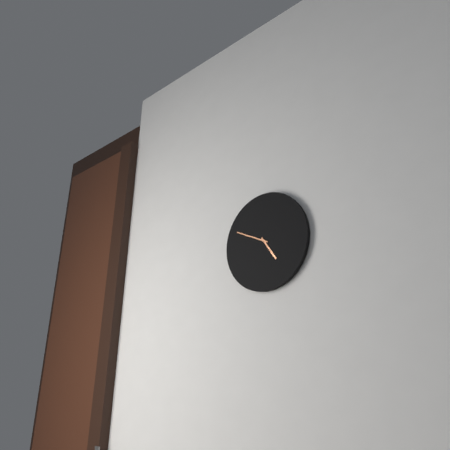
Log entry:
4 h 49 min
